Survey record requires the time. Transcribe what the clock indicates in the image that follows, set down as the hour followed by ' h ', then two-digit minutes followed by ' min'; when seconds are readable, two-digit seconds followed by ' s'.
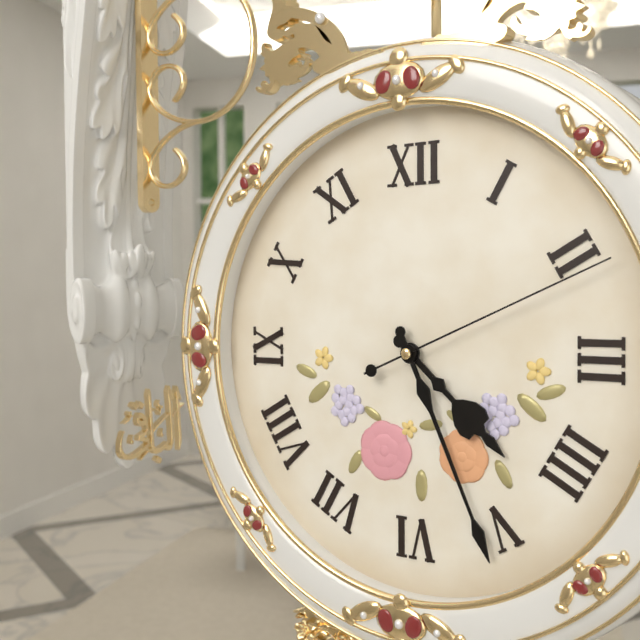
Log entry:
4 h 26 min 11 s
